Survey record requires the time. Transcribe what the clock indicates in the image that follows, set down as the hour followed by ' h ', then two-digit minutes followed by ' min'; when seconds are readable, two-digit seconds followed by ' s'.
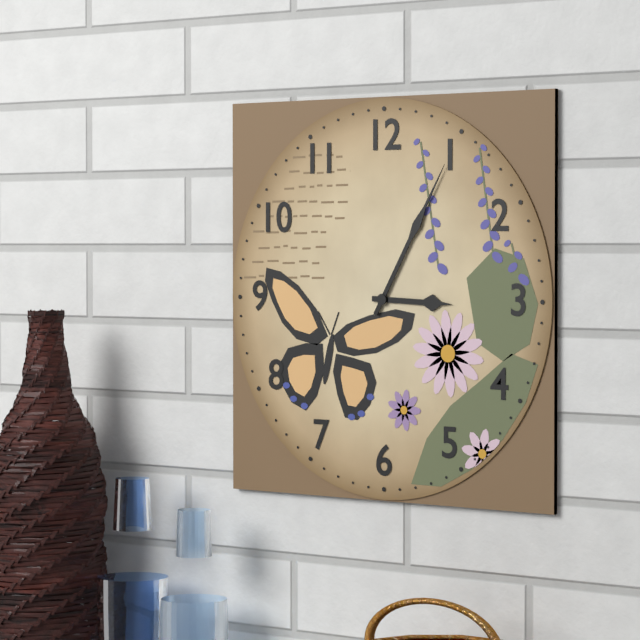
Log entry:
3 h 05 min
